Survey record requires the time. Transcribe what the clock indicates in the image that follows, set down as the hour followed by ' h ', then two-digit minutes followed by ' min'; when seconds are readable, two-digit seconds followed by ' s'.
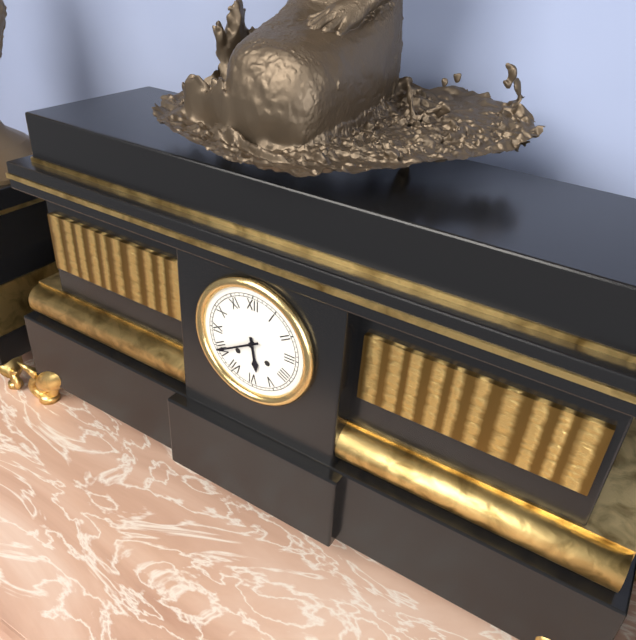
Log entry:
5 h 40 min
